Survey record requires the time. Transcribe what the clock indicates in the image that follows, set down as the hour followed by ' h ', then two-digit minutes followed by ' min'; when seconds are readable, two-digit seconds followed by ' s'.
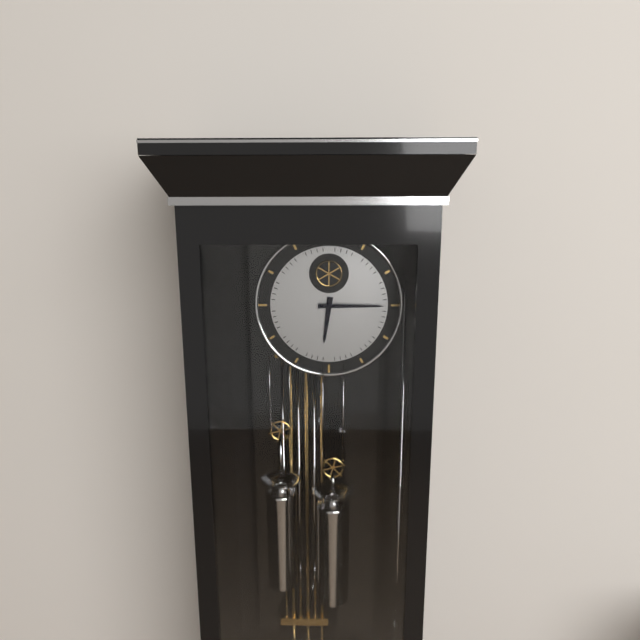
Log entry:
6 h 15 min
